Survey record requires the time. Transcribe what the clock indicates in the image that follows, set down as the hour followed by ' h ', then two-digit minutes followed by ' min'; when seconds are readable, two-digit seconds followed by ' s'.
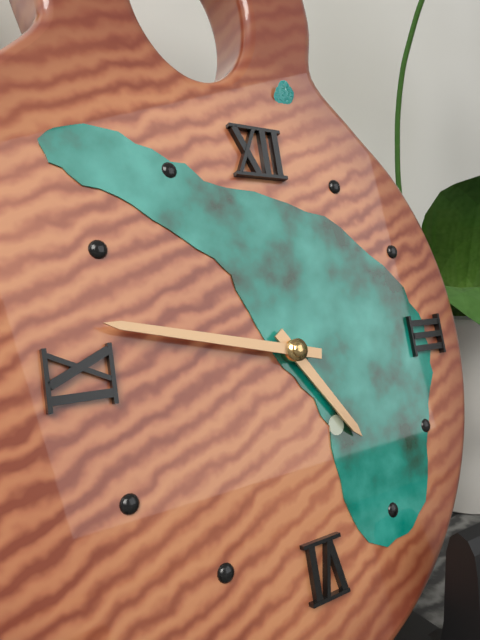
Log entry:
4 h 47 min
